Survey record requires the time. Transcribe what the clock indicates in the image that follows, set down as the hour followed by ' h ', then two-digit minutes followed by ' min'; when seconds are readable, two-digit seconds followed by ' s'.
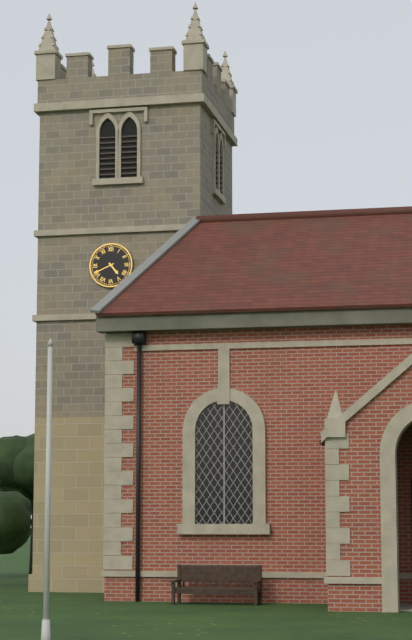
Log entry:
4 h 41 min
